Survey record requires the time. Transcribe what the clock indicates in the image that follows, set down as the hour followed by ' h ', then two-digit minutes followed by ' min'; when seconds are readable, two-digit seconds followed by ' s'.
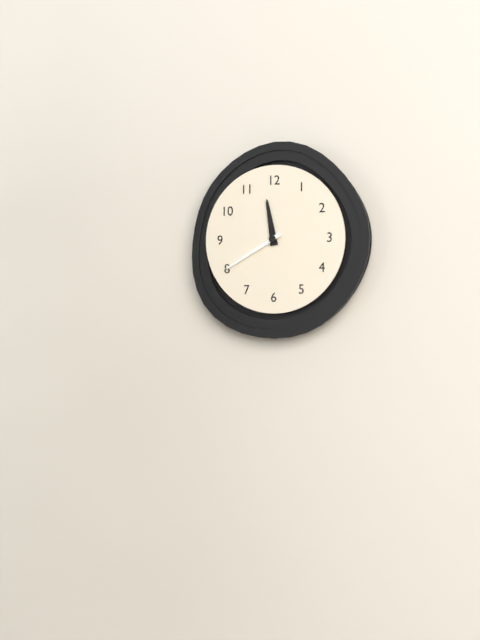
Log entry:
11 h 40 min
